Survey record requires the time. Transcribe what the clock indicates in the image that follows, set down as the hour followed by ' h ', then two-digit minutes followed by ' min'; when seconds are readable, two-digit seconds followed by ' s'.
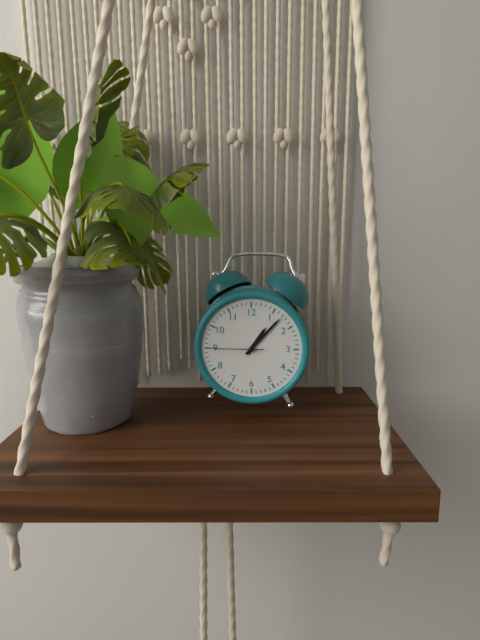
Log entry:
1 h 07 min 45 s
